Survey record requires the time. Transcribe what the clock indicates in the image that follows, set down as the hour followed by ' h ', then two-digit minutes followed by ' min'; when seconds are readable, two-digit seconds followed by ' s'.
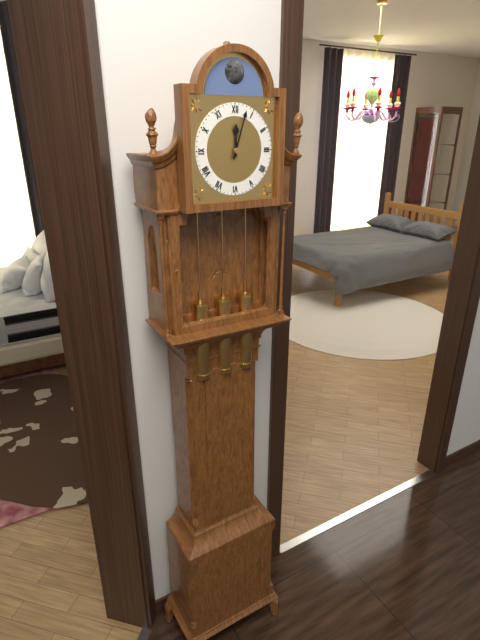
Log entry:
12 h 03 min
